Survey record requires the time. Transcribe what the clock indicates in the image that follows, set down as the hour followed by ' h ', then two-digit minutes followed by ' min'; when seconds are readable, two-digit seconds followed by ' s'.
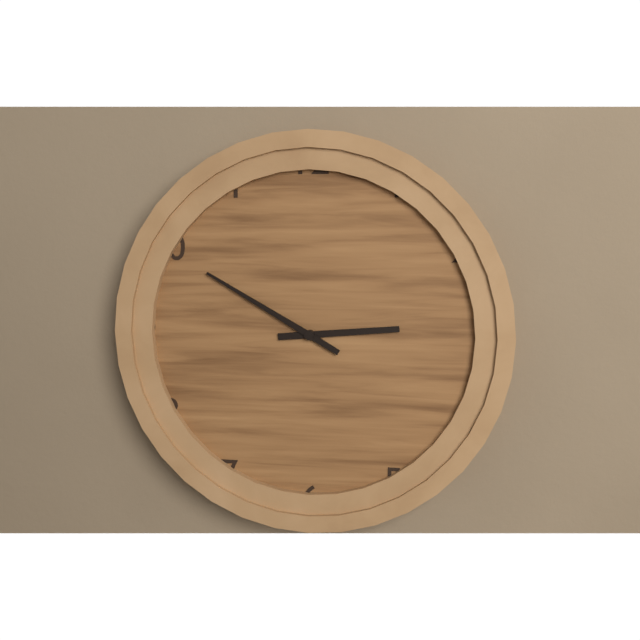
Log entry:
2 h 50 min
